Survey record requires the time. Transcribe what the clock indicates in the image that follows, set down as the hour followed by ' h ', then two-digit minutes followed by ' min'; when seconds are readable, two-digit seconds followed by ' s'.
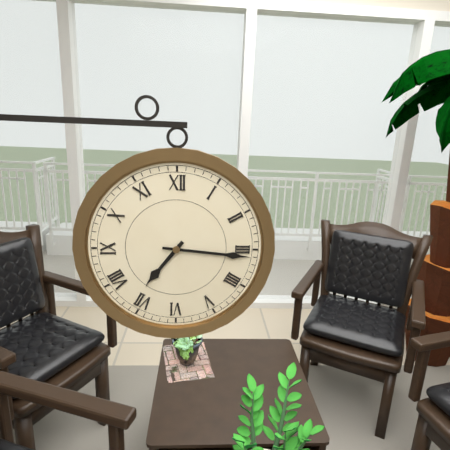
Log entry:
7 h 16 min
